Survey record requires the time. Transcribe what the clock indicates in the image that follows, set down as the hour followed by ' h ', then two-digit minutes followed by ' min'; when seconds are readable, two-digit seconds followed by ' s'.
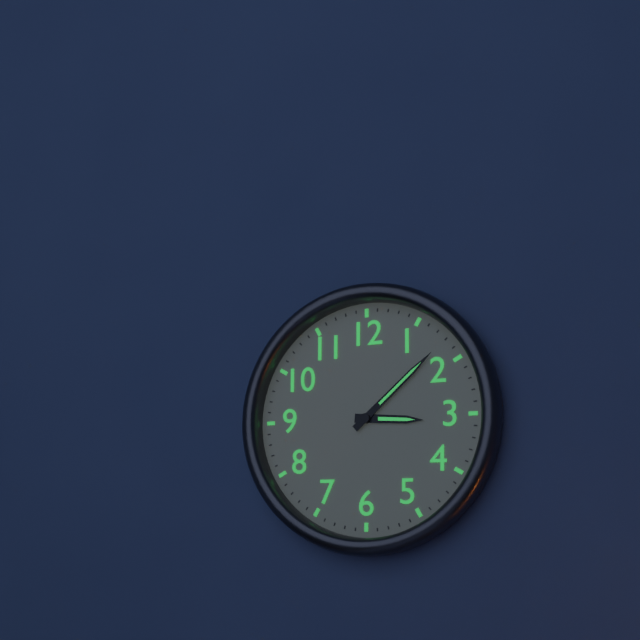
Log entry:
3 h 08 min
